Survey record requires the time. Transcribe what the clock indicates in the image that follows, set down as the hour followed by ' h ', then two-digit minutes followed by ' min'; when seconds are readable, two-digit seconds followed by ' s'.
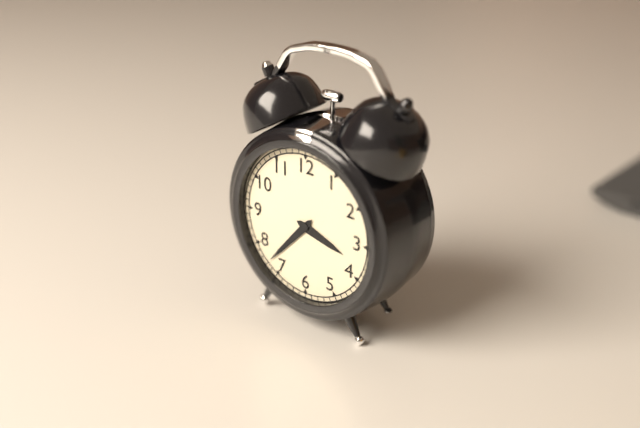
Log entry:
3 h 37 min
